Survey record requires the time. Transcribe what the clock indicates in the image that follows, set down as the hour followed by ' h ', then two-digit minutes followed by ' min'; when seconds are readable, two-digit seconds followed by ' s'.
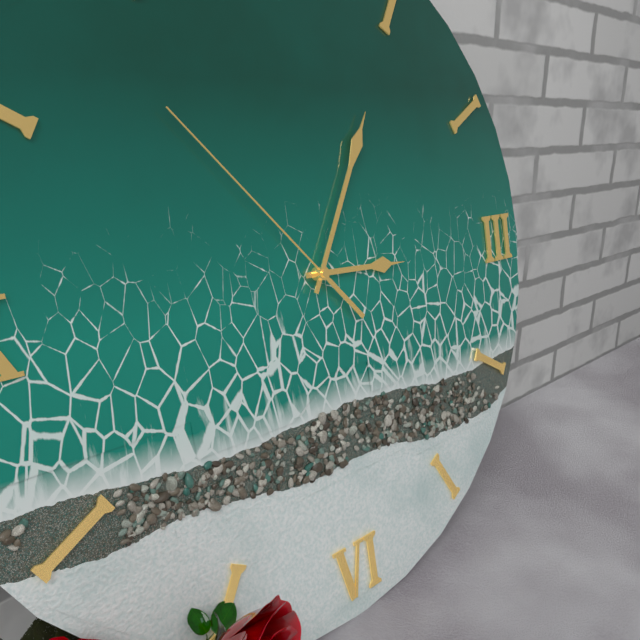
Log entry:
3 h 05 min 53 s
